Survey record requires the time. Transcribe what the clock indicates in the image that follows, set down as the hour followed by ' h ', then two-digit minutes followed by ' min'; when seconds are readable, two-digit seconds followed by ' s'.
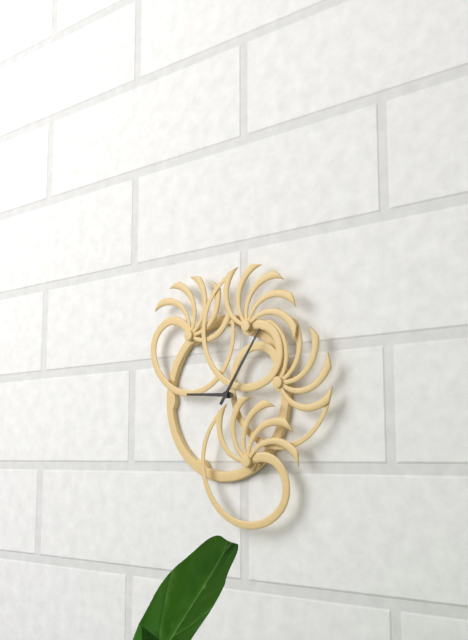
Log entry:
9 h 06 min
